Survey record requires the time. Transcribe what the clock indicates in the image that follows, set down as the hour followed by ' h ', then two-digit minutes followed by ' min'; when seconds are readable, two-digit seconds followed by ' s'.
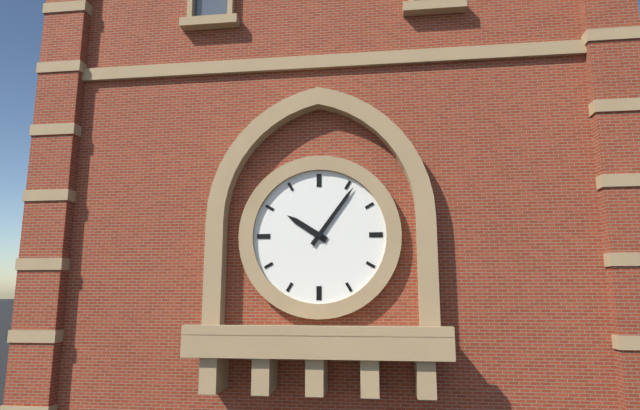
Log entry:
10 h 06 min
